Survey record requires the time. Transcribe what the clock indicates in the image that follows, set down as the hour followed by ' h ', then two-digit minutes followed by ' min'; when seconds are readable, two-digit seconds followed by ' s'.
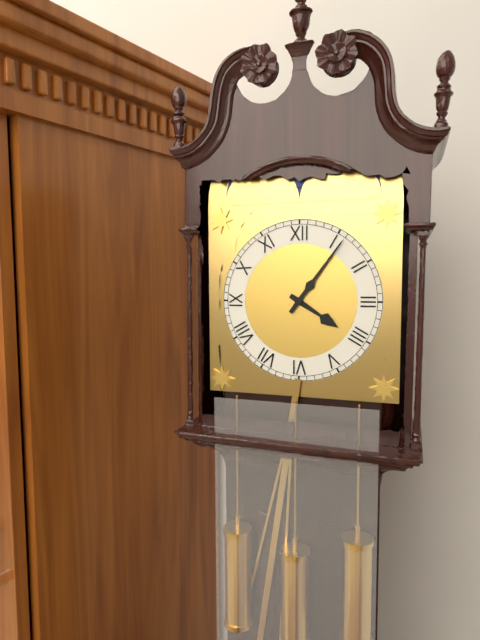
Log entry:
4 h 06 min
